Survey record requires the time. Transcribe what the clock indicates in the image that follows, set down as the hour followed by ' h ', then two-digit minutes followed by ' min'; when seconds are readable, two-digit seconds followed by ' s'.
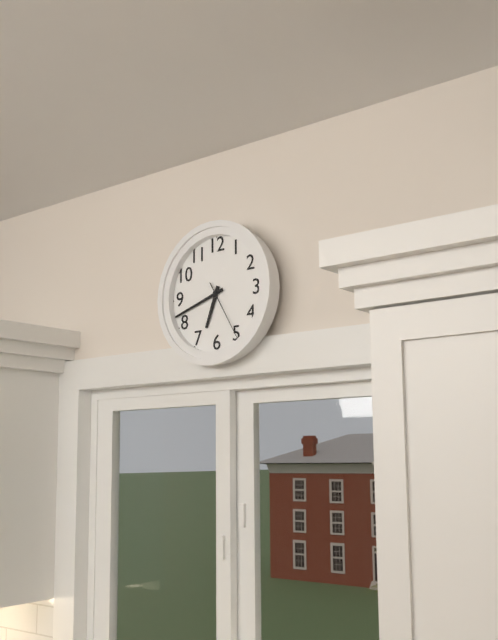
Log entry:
6 h 42 min 25 s
